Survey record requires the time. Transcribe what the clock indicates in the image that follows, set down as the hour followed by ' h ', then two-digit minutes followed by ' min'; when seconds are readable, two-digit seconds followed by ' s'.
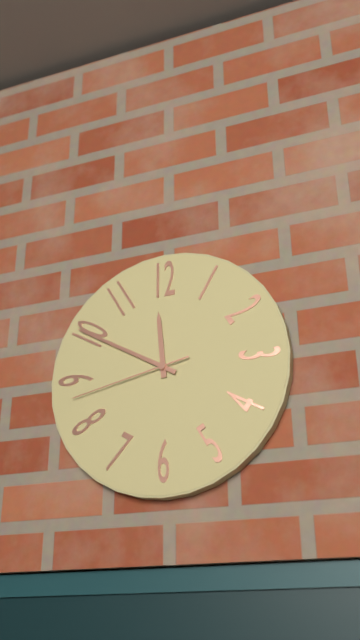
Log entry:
11 h 50 min 43 s
